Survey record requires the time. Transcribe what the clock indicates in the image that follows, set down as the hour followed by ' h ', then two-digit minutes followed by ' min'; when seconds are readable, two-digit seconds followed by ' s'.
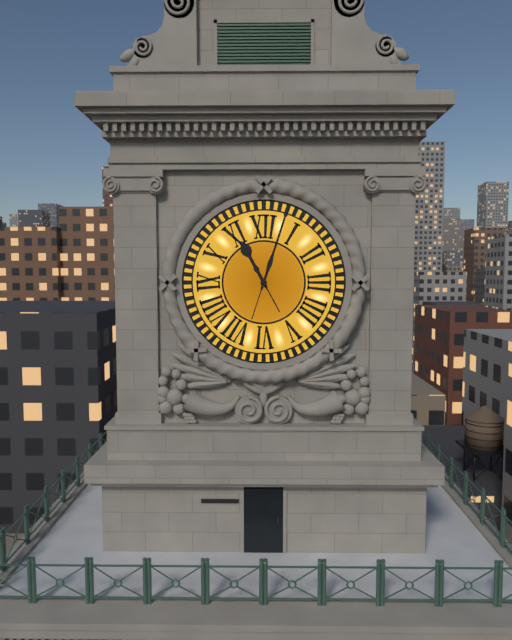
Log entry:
11 h 03 min
